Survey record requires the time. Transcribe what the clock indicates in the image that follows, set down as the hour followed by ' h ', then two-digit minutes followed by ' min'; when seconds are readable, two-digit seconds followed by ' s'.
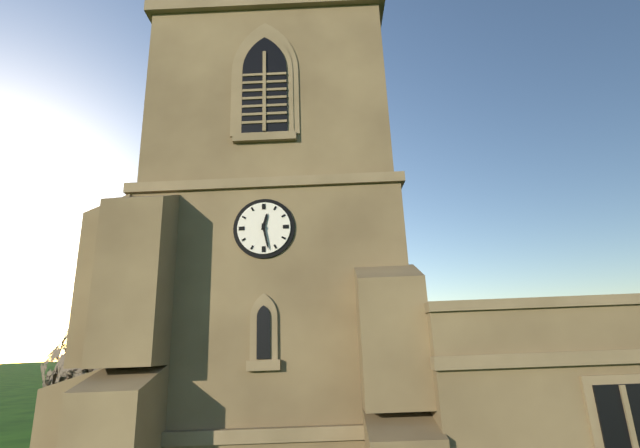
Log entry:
12 h 28 min
